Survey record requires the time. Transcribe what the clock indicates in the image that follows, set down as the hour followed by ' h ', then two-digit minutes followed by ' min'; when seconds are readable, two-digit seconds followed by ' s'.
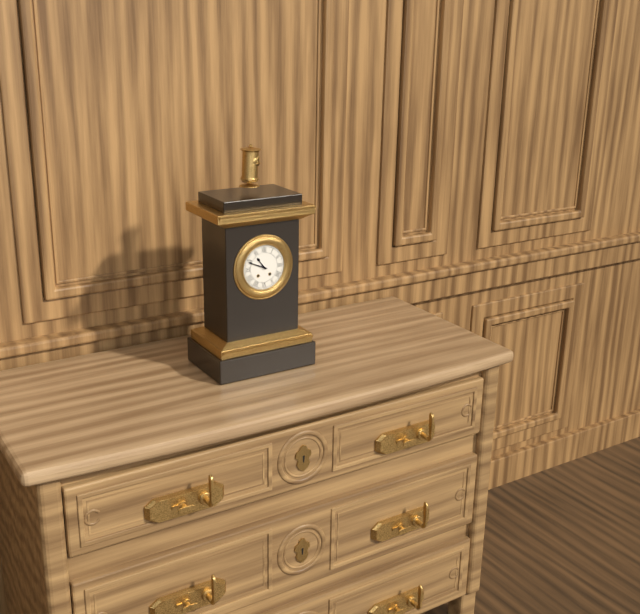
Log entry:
10 h 49 min
